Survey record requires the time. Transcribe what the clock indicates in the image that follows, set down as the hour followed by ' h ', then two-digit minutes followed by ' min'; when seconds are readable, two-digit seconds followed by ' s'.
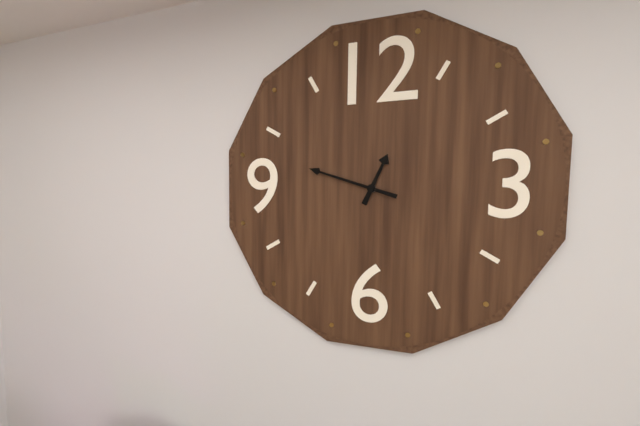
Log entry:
12 h 48 min
